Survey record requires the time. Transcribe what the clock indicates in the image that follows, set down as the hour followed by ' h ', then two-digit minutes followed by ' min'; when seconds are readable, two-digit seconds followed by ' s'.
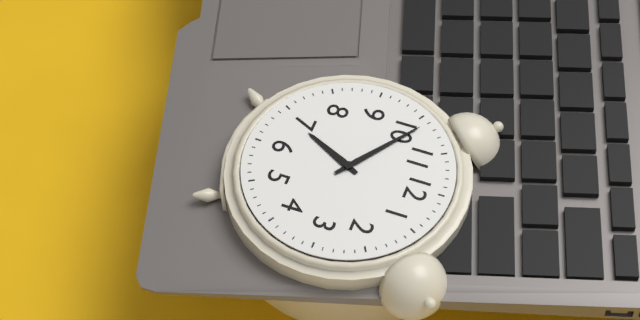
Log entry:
6 h 51 min
